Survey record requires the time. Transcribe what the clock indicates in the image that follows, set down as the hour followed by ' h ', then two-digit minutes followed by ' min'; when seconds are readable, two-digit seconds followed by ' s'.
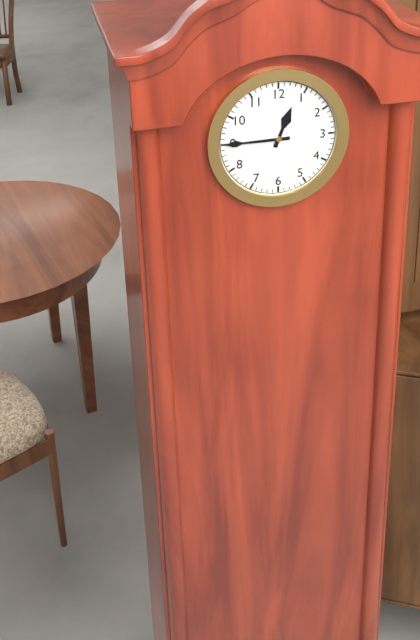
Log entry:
12 h 45 min
